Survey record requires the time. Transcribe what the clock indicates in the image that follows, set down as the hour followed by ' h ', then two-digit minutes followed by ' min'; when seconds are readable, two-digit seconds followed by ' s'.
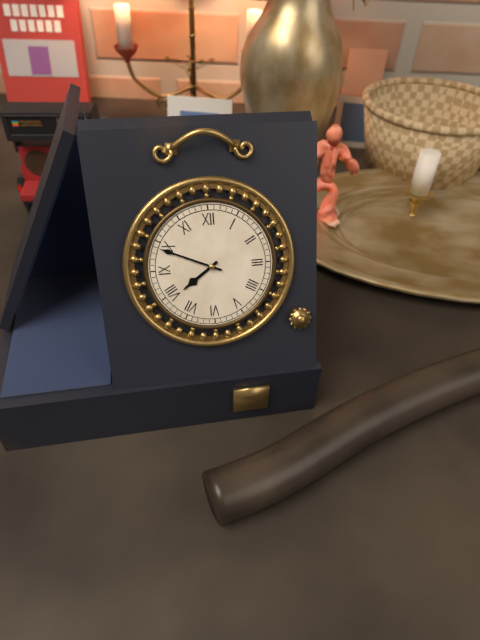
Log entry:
7 h 49 min
